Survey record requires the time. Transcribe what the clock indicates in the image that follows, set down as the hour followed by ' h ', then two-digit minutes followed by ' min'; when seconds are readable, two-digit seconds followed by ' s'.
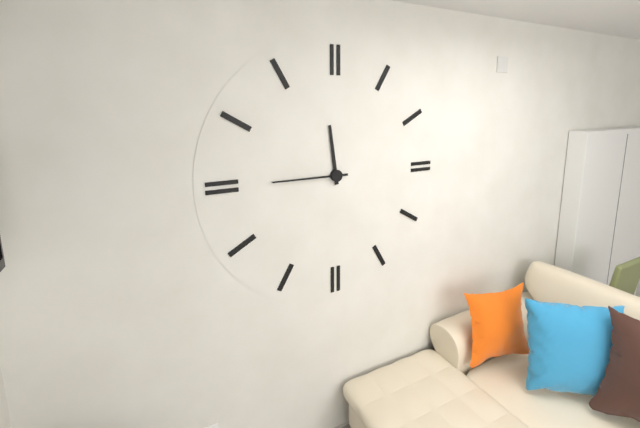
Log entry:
11 h 45 min
